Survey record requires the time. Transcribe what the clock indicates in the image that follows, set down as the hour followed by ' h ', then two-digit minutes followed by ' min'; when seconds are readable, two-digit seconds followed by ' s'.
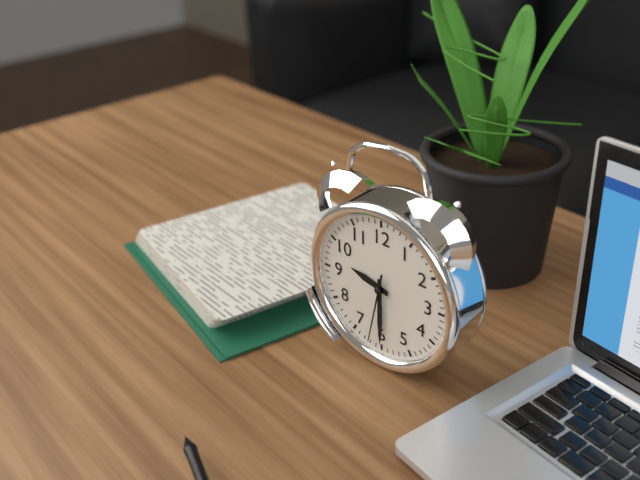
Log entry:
9 h 30 min 32 s
